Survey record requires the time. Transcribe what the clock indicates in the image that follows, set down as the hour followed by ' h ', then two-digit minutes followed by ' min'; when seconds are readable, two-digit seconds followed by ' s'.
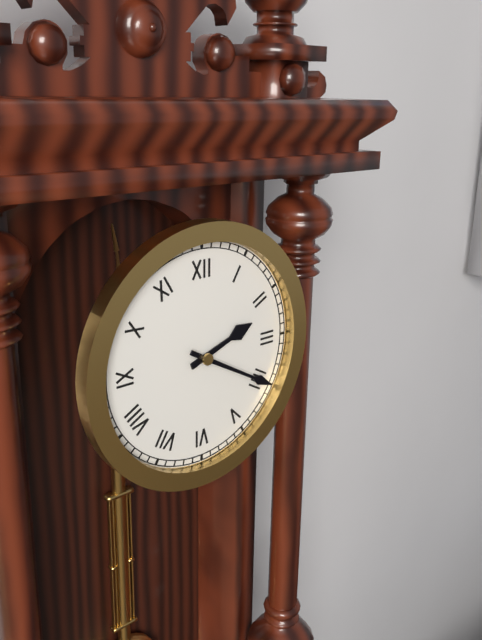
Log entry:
2 h 20 min
